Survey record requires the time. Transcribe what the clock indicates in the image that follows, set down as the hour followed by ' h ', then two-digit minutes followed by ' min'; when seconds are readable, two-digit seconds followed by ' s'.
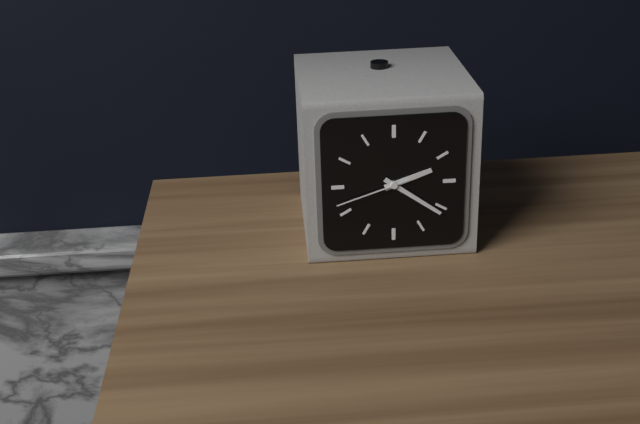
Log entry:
2 h 21 min 42 s
